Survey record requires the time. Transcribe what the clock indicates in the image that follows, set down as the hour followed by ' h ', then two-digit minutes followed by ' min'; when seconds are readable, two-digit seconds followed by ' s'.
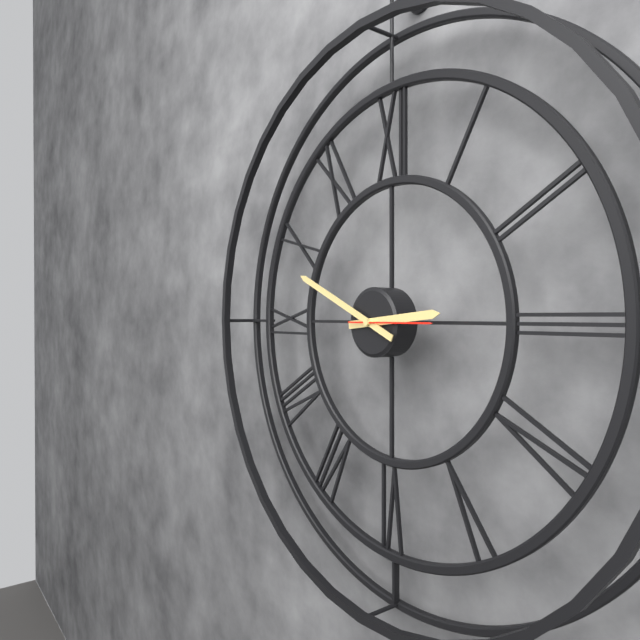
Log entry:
2 h 49 min 15 s
